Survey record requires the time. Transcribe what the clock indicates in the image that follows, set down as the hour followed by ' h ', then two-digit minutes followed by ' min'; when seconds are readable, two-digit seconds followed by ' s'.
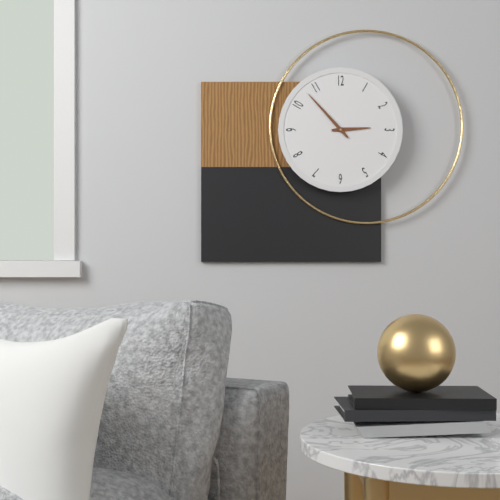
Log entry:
2 h 53 min
